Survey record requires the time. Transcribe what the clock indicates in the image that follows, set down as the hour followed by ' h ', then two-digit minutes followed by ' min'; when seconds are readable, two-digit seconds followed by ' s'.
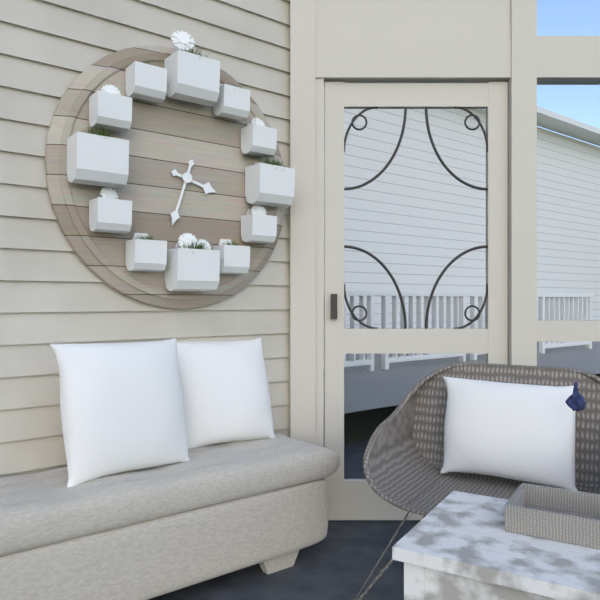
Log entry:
3 h 33 min
